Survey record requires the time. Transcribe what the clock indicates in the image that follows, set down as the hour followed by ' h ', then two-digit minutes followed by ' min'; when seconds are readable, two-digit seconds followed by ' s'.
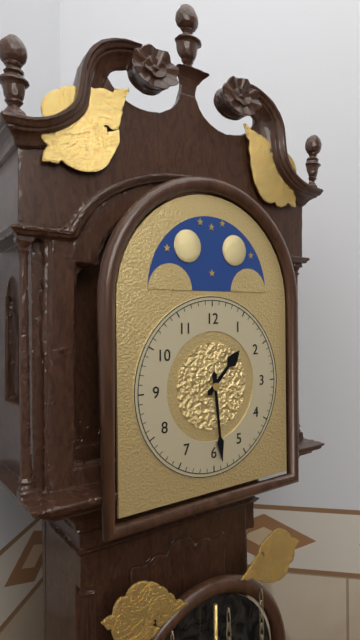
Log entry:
1 h 29 min
